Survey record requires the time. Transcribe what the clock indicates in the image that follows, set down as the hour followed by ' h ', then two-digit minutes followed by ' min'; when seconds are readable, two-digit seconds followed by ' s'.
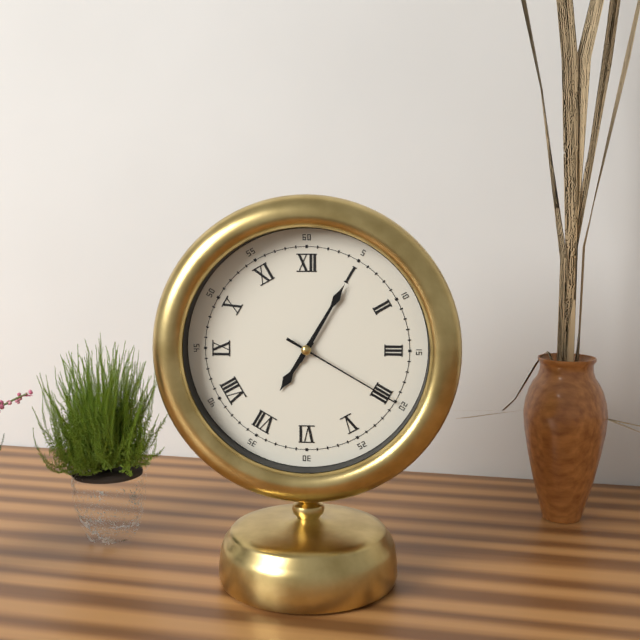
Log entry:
7 h 05 min 20 s
